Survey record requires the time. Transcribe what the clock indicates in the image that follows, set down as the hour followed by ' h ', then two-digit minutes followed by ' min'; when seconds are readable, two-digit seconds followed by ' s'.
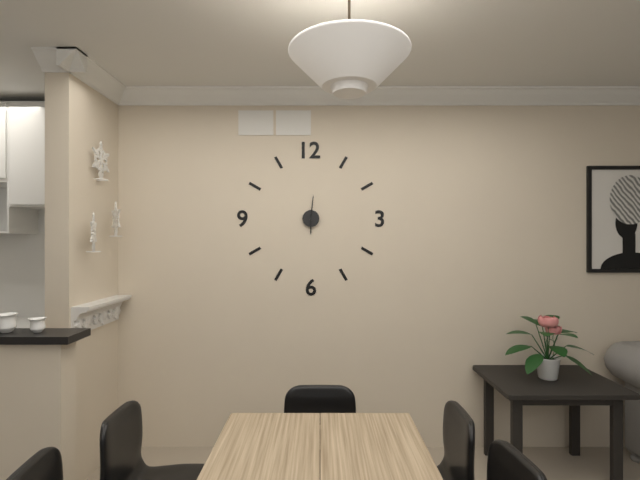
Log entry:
6 h 01 min
